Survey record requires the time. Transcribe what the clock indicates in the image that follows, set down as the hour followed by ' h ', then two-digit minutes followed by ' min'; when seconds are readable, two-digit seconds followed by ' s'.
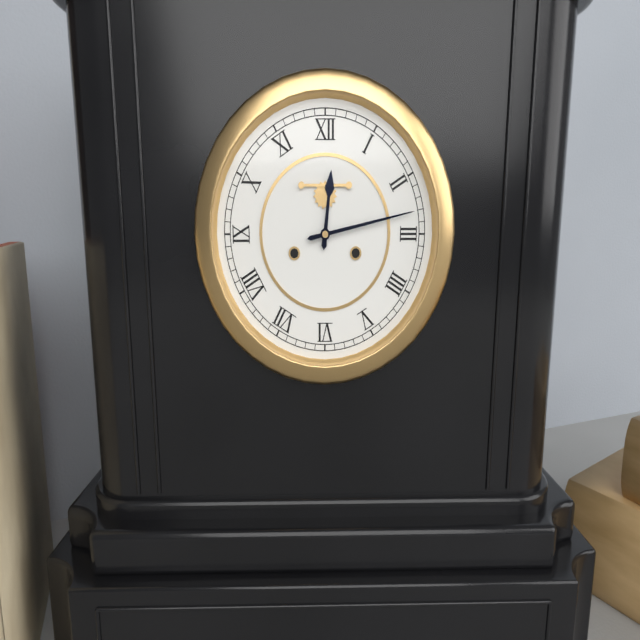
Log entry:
12 h 13 min
